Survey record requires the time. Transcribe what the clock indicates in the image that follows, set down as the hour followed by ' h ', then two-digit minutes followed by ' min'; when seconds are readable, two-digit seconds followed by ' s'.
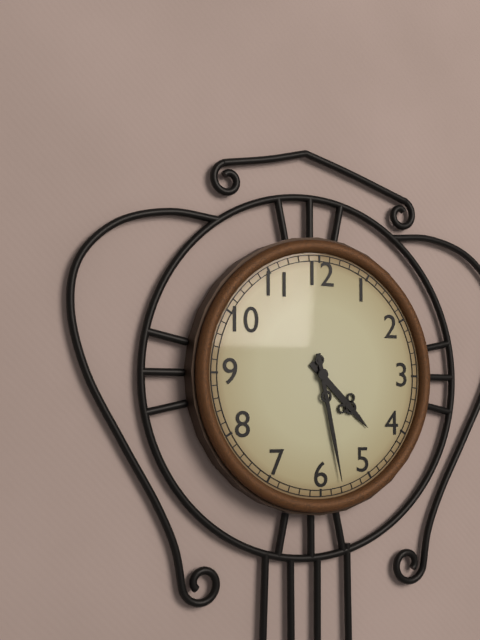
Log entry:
4 h 28 min
